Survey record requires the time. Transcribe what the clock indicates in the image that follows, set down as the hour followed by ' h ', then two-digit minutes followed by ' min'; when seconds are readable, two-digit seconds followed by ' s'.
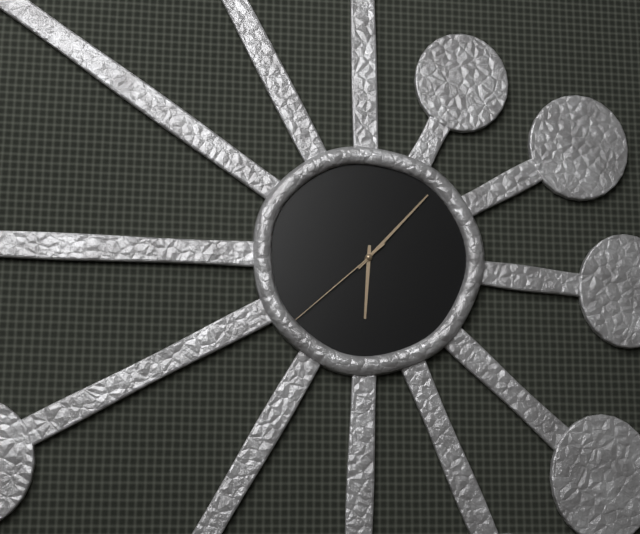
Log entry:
6 h 07 min 38 s
